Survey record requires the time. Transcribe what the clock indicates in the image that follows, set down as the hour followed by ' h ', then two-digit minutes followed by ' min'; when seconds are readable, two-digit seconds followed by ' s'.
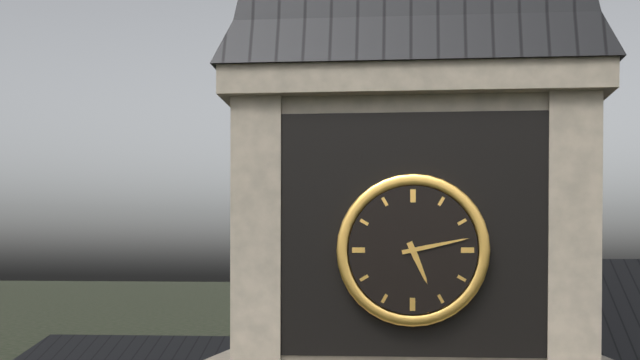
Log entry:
5 h 13 min
